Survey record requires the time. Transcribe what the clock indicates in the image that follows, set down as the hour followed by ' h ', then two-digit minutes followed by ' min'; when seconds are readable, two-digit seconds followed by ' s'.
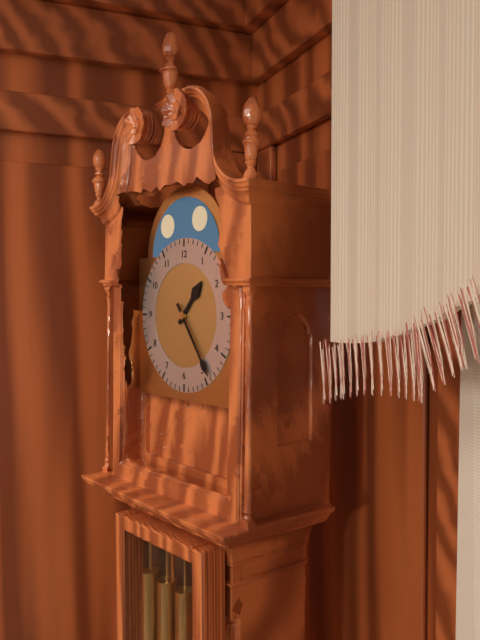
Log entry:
1 h 24 min
